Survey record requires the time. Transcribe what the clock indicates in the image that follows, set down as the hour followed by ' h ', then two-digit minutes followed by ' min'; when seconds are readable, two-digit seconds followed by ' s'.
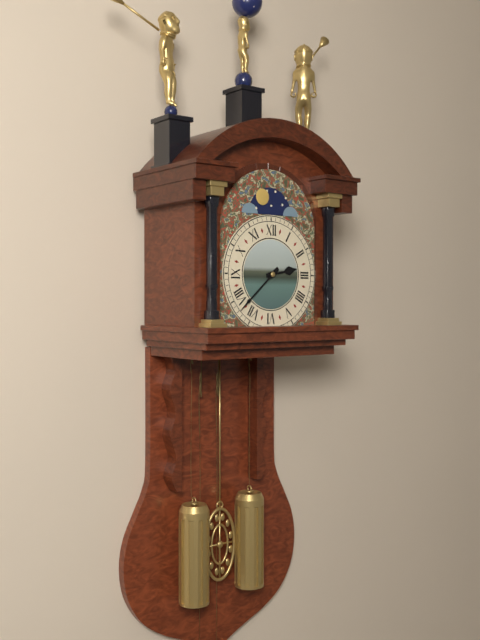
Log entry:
2 h 38 min
